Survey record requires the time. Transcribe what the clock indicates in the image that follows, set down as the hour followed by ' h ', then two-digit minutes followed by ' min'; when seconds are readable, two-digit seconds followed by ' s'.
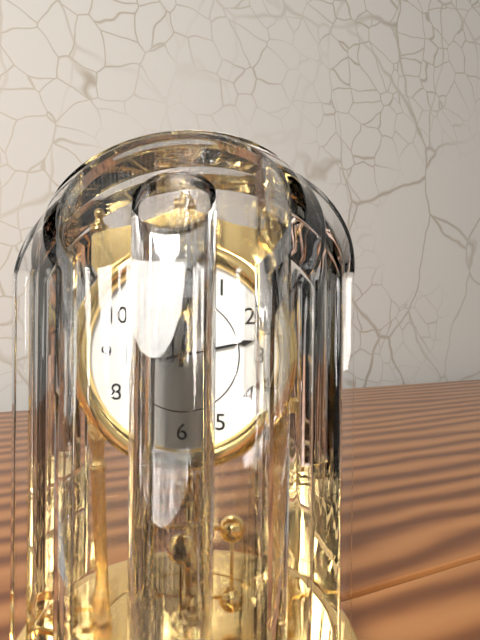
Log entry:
12 h 13 min
